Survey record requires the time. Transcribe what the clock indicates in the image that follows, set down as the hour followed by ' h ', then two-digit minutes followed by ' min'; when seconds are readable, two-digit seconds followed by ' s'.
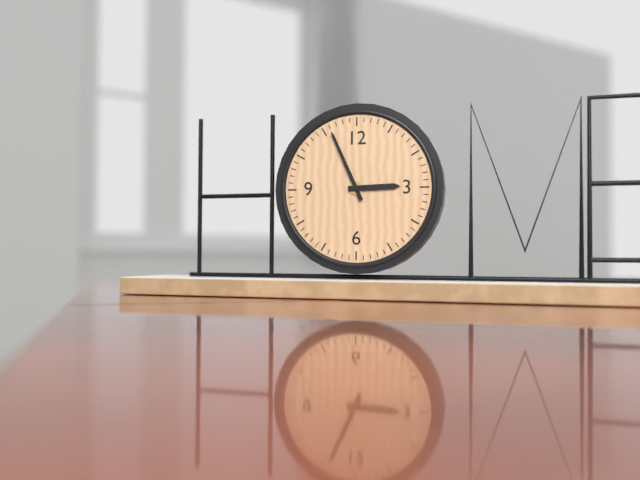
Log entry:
2 h 56 min
